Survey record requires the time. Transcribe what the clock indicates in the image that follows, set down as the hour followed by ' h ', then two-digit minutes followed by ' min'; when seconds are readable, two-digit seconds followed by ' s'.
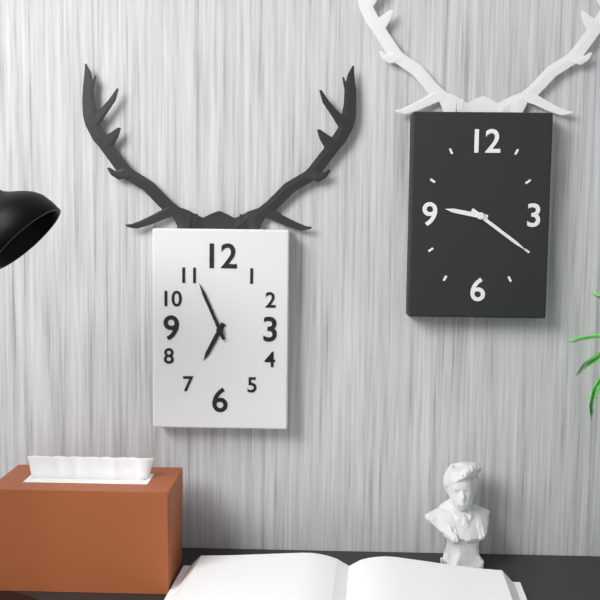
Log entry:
6 h 56 min
